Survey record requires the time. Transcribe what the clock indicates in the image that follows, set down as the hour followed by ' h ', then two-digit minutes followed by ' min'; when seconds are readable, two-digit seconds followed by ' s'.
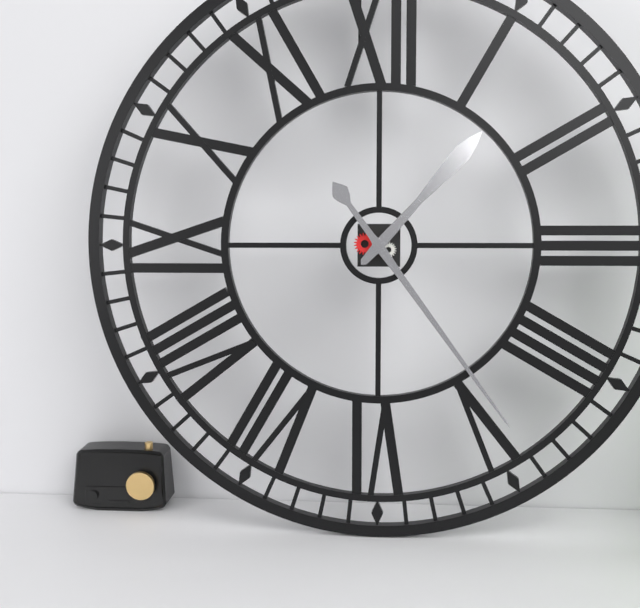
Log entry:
1 h 24 min
